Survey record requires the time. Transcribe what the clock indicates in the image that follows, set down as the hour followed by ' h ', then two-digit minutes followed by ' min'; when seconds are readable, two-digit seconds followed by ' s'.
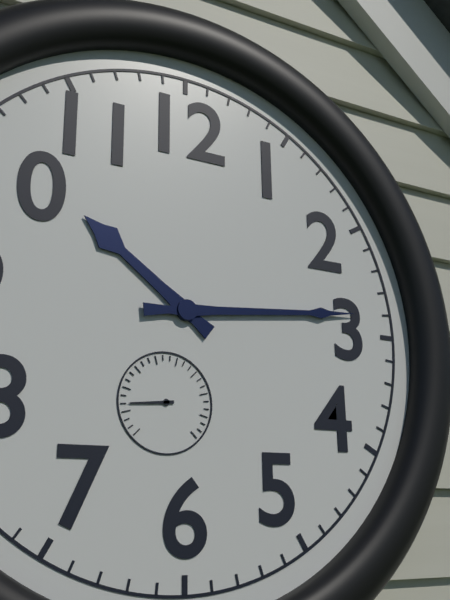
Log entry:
10 h 14 min
